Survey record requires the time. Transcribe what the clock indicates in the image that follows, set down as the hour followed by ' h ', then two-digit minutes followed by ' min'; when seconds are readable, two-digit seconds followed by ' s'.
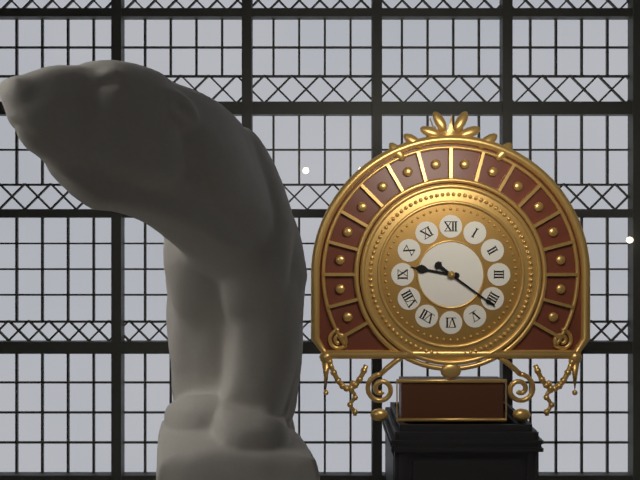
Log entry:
9 h 21 min
